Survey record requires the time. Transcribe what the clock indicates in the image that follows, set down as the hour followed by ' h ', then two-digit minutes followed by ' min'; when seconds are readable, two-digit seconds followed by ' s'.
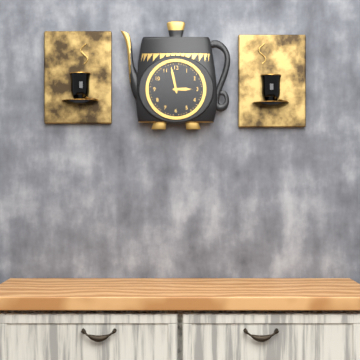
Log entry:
2 h 58 min
